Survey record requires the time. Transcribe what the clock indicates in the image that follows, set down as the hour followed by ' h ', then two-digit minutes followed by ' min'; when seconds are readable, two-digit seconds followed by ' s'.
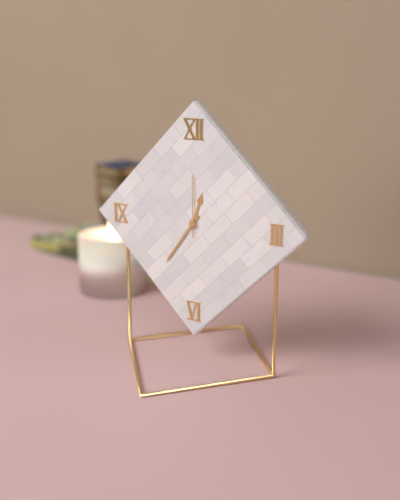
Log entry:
12 h 36 min 00 s
